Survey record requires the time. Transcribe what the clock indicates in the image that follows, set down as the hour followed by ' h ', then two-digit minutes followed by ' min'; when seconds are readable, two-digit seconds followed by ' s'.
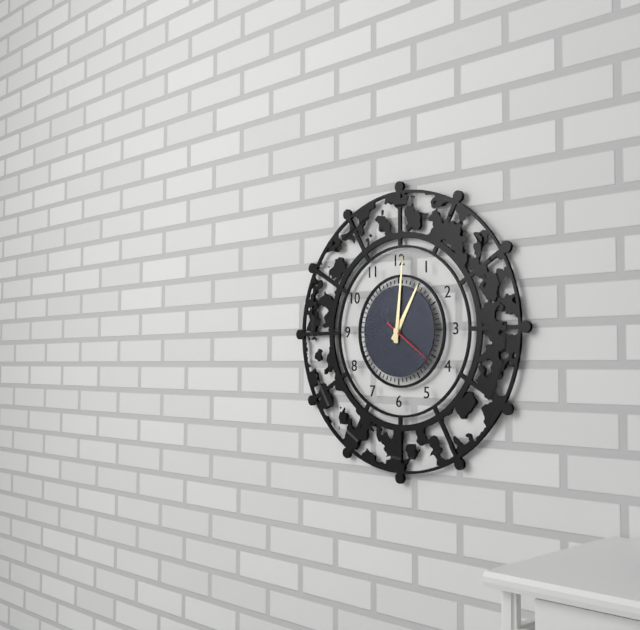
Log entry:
1 h 01 min 21 s
